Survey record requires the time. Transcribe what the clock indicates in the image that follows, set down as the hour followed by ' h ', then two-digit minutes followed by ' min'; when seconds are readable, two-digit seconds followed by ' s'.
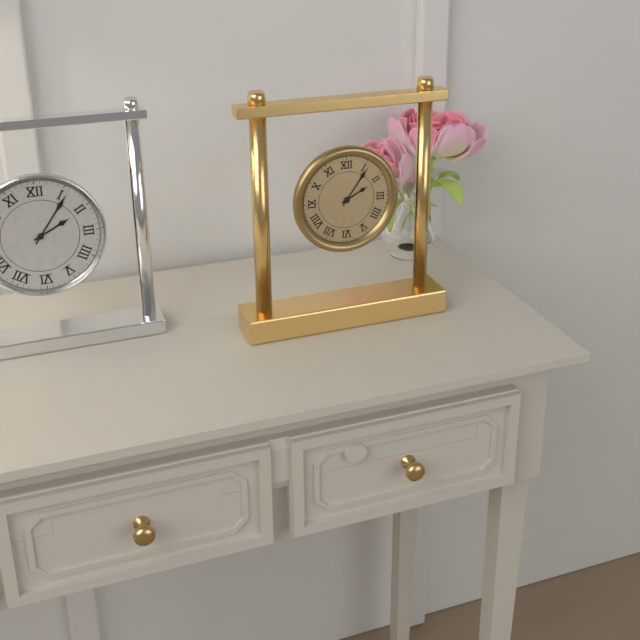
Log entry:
2 h 06 min
